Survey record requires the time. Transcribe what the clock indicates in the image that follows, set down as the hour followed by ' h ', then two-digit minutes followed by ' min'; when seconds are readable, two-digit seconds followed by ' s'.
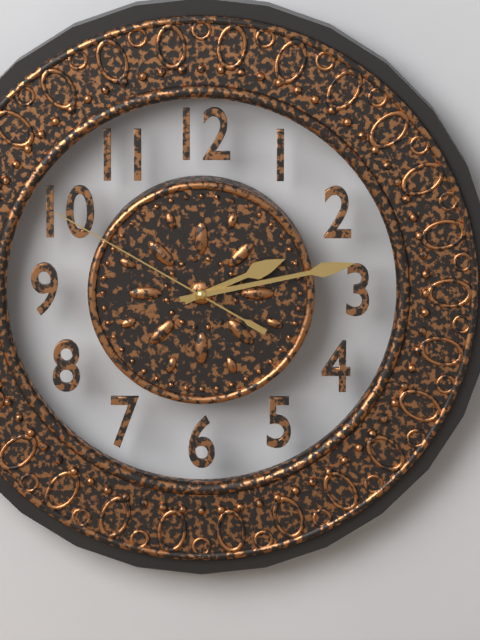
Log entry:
2 h 13 min 50 s
